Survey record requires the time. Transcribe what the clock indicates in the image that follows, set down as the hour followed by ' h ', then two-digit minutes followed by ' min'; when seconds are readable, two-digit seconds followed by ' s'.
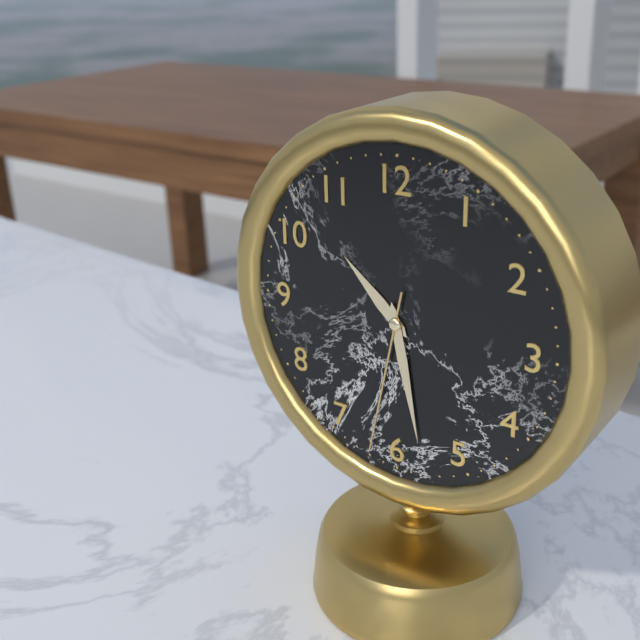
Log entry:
10 h 28 min 32 s
